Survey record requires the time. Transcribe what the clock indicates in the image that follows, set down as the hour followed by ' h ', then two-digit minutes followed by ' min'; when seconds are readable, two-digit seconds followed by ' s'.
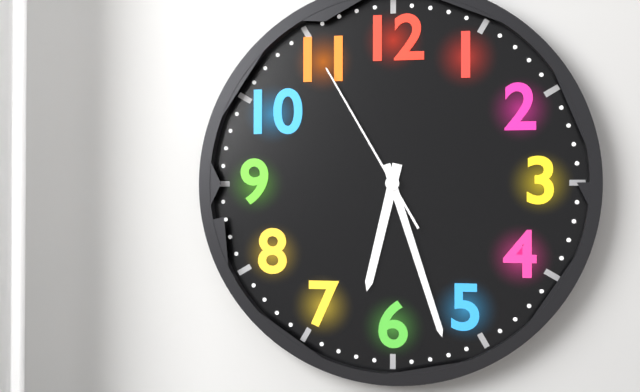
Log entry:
6 h 27 min 55 s
